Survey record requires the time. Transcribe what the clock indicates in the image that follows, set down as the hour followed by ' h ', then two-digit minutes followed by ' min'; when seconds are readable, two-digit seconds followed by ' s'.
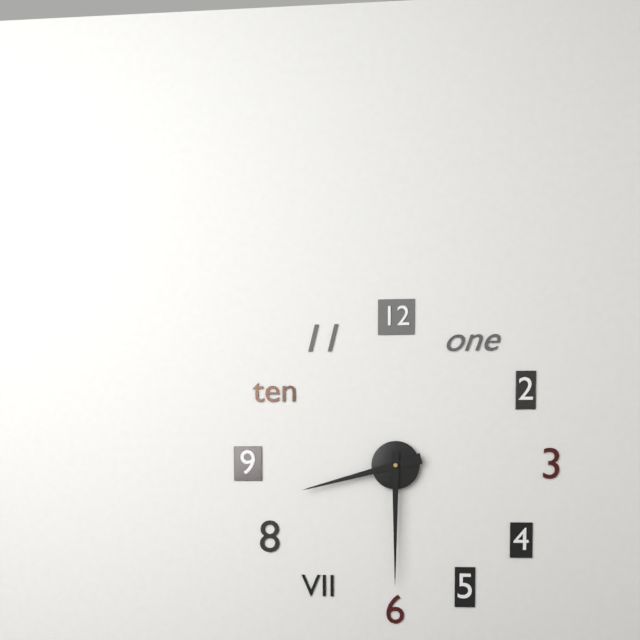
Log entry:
8 h 30 min
